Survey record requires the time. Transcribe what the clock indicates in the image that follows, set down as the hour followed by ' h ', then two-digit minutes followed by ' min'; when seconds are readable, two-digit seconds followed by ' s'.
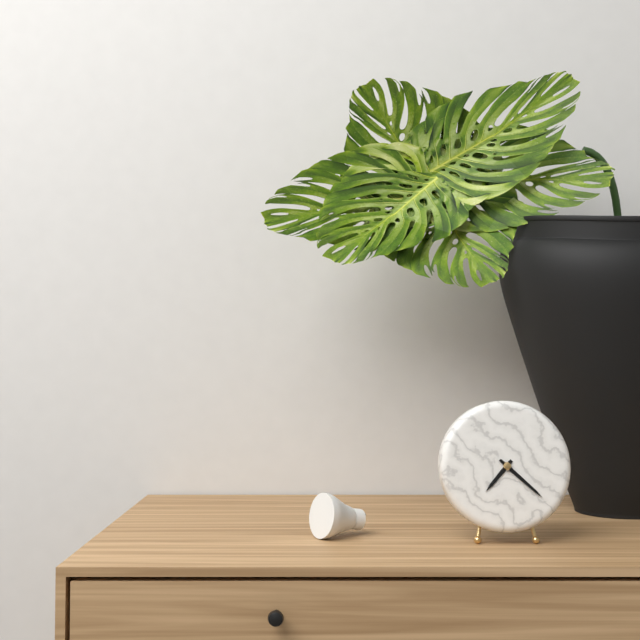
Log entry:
7 h 22 min
